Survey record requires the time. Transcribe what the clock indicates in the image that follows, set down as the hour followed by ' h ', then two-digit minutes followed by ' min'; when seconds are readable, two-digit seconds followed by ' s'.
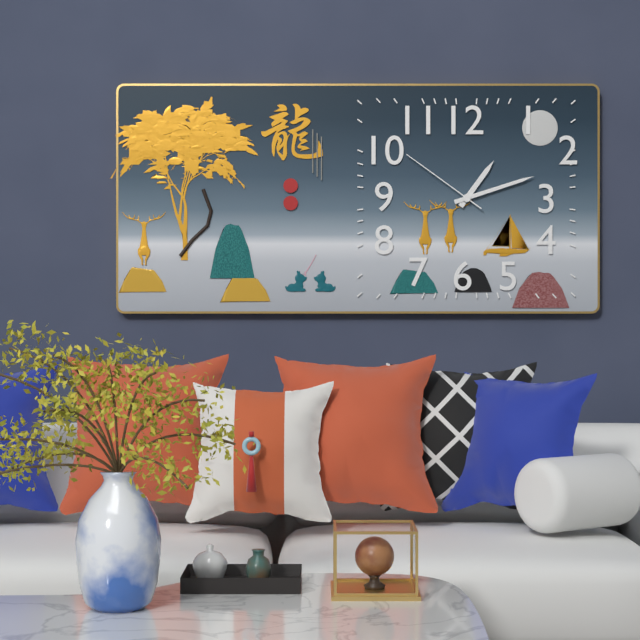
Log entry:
1 h 12 min 51 s
